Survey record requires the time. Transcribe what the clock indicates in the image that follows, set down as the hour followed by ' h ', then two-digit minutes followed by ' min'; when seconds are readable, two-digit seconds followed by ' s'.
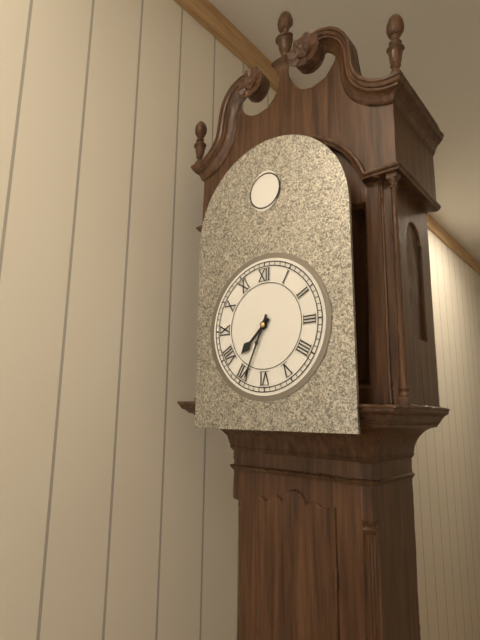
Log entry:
7 h 34 min
